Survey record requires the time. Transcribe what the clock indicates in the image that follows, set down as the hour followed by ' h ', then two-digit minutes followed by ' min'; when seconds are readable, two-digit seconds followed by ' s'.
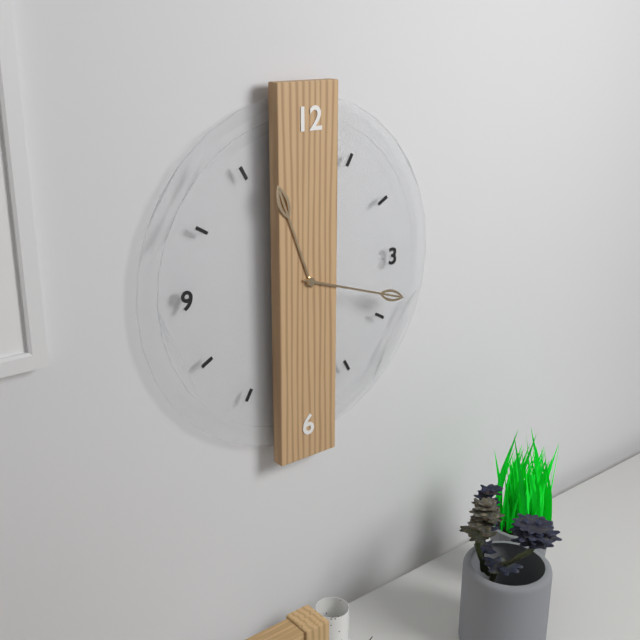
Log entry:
11 h 18 min
